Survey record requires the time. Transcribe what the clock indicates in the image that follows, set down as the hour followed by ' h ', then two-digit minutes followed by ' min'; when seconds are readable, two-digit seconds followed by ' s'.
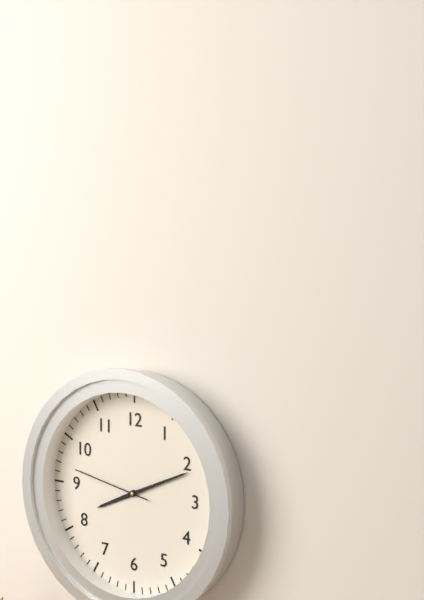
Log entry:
8 h 11 min 47 s
